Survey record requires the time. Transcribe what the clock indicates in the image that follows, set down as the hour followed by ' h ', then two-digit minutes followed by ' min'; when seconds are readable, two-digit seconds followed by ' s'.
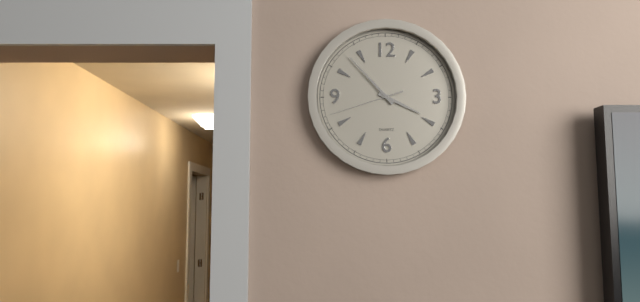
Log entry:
3 h 53 min 42 s
